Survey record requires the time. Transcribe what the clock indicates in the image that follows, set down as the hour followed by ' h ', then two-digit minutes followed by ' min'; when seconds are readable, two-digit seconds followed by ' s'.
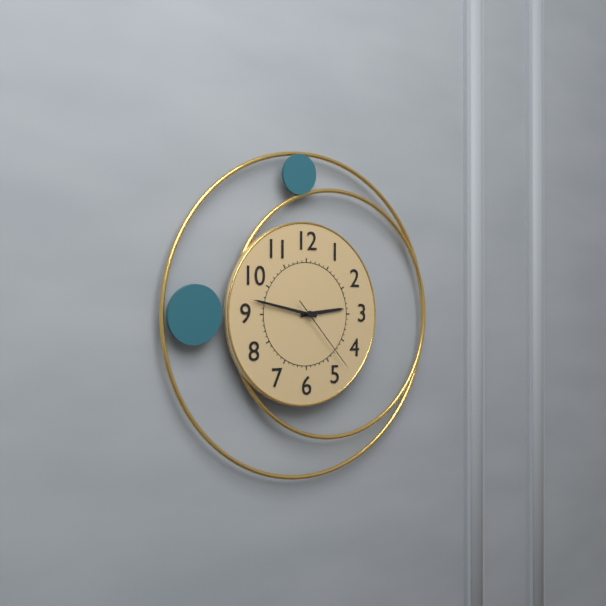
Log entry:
2 h 47 min 23 s
